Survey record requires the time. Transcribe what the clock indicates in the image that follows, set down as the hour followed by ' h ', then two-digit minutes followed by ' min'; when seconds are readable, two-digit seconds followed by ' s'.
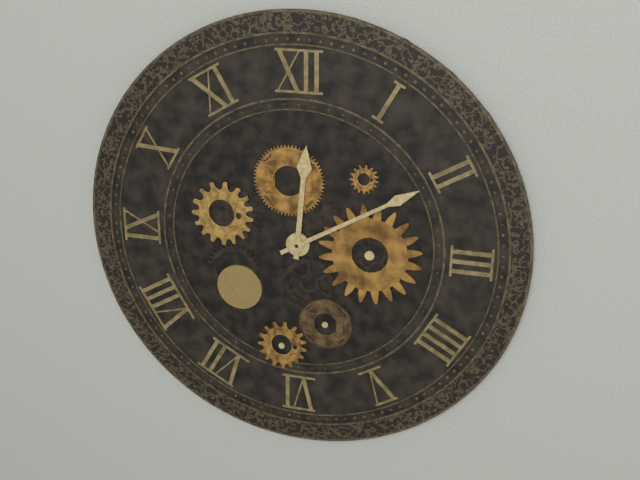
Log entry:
12 h 10 min
